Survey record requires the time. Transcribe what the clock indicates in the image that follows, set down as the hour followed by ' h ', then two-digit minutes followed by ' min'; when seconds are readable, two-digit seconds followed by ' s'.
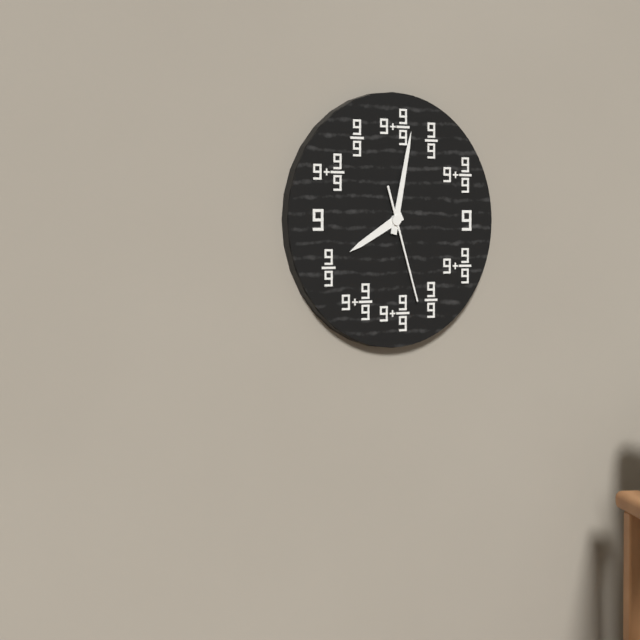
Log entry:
8 h 02 min 27 s
